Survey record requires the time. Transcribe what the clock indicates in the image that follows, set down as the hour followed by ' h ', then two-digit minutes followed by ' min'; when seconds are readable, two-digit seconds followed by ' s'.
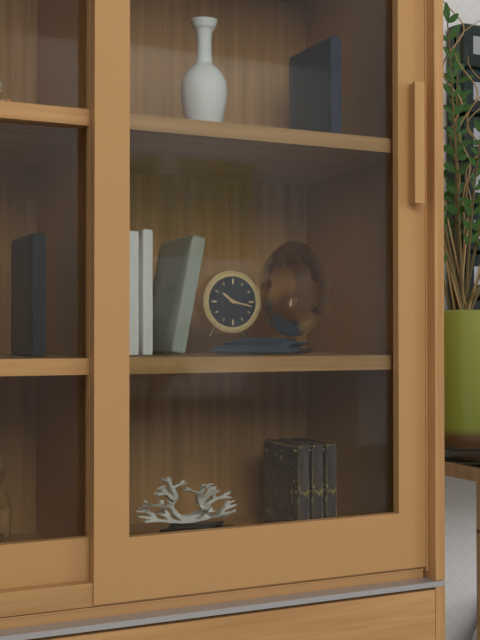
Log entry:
10 h 17 min
